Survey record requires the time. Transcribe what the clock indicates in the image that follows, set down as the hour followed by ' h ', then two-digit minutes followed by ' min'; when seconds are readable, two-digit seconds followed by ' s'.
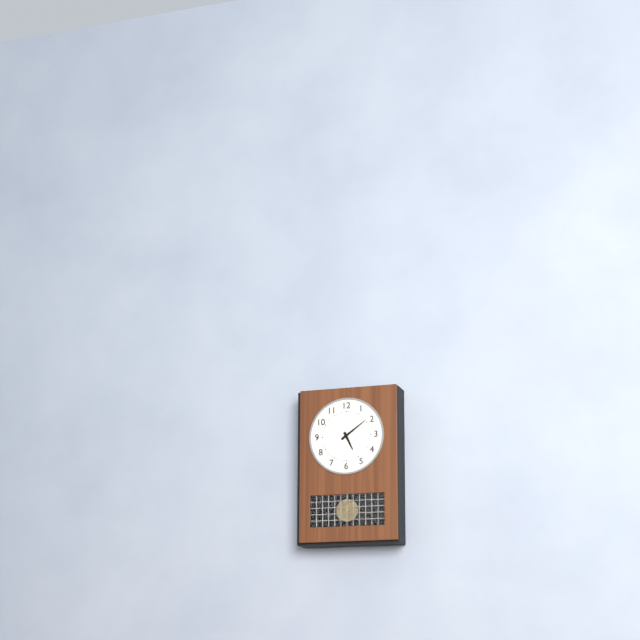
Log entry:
5 h 09 min
